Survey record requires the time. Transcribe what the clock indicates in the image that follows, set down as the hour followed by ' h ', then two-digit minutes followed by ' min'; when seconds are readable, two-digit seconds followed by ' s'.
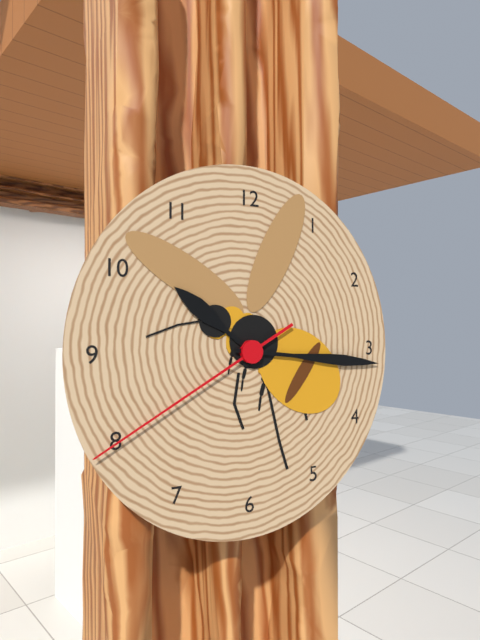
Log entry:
10 h 16 min 40 s
